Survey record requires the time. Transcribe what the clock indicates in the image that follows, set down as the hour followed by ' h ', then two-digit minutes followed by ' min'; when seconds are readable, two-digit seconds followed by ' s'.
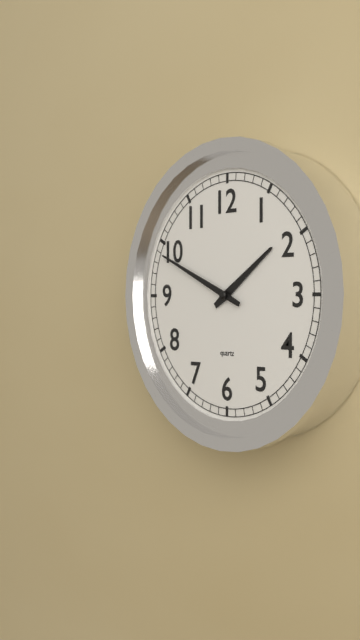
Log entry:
1 h 49 min
